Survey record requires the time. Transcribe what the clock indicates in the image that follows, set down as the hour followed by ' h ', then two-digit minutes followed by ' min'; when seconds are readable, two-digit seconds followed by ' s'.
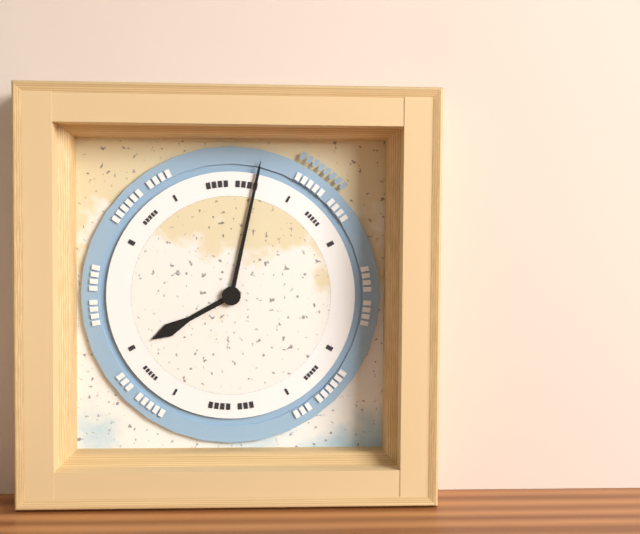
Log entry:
8 h 02 min
